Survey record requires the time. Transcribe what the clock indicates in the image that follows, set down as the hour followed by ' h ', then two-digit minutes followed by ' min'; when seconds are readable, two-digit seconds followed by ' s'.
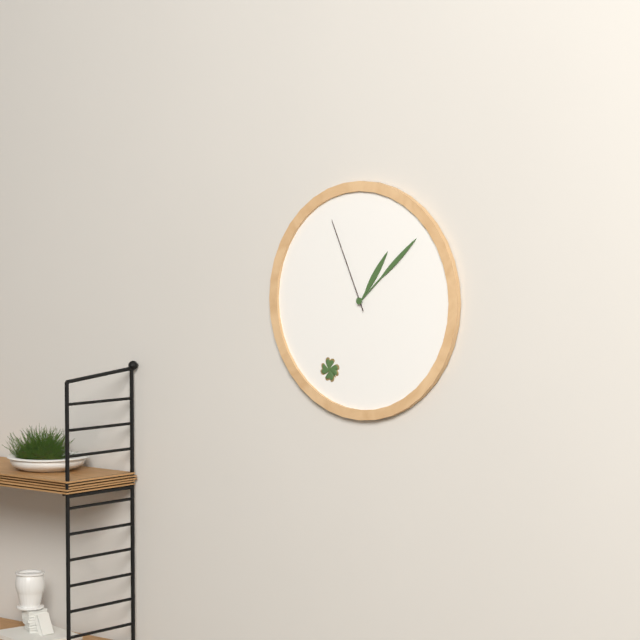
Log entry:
1 h 08 min 56 s
